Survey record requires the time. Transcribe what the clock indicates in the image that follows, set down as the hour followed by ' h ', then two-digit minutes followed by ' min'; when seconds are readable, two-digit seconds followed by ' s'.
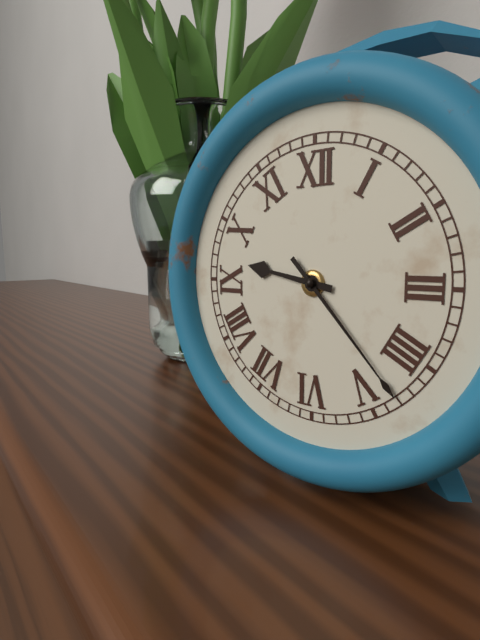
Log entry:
9 h 23 min
